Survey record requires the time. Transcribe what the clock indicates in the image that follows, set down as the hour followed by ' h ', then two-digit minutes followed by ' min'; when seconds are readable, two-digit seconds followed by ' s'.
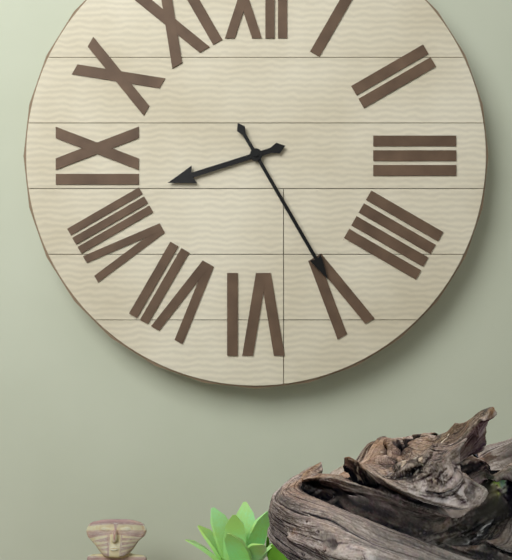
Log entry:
8 h 25 min
